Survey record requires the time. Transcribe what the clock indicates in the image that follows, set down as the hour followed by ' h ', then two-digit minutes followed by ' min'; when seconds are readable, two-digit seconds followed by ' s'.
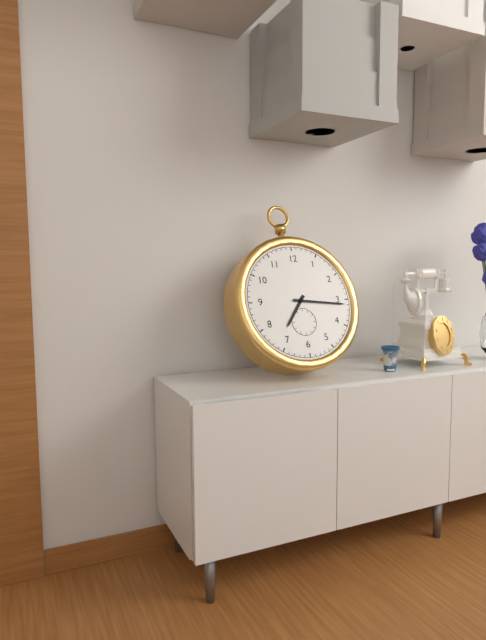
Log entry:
7 h 16 min
